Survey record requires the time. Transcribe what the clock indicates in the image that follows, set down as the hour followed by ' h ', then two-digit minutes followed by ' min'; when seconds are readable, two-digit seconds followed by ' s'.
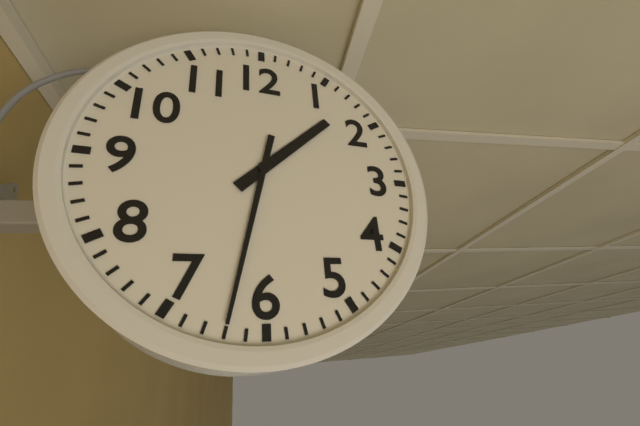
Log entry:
1 h 32 min
